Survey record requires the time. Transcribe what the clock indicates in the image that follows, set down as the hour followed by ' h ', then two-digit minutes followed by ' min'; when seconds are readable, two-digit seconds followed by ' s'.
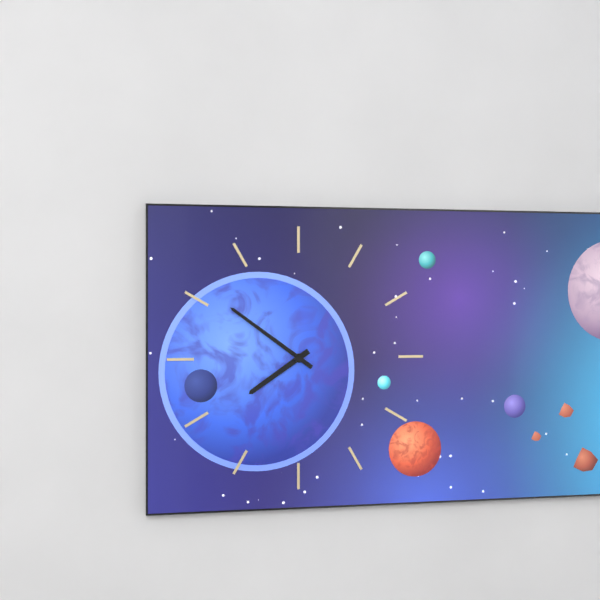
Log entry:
7 h 51 min
